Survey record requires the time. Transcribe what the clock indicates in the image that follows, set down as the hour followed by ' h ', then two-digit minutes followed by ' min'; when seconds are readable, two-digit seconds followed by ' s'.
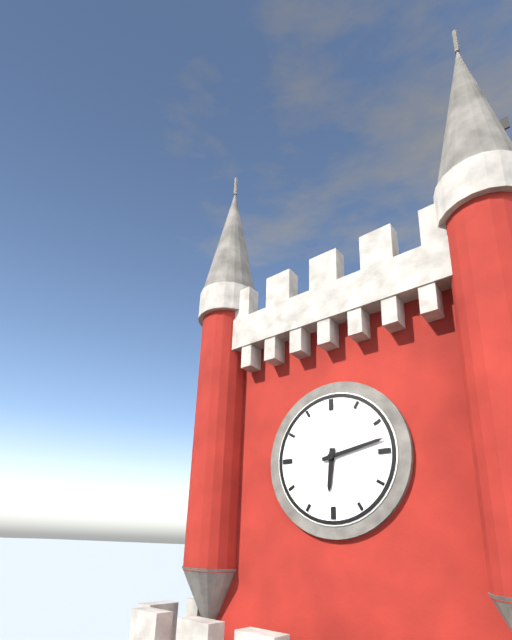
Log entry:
6 h 13 min
